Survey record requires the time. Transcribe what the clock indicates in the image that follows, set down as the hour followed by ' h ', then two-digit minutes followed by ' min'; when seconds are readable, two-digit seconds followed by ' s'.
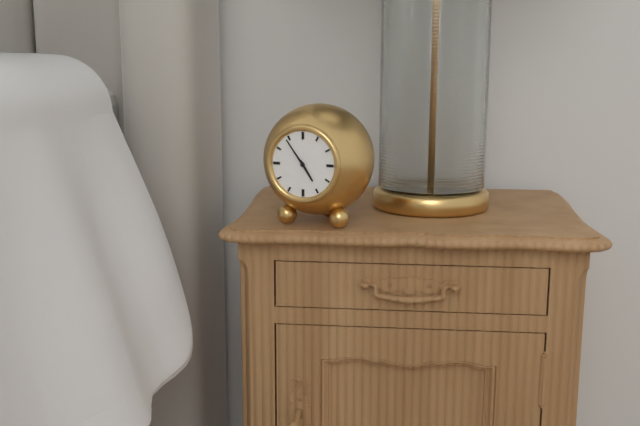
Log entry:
4 h 54 min
